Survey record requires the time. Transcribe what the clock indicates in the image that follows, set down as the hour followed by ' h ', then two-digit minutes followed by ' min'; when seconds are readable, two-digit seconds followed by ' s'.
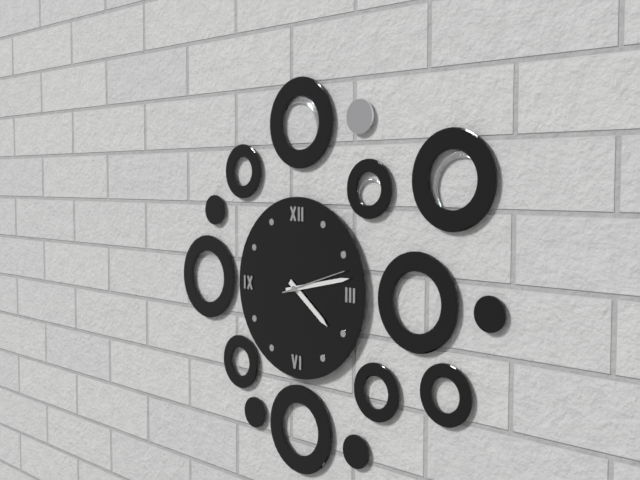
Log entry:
4 h 13 min 12 s
